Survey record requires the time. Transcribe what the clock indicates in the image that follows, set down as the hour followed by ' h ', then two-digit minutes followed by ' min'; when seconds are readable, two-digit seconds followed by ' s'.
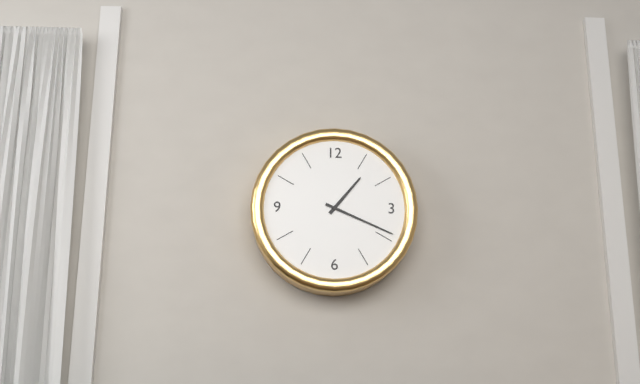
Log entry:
1 h 19 min
